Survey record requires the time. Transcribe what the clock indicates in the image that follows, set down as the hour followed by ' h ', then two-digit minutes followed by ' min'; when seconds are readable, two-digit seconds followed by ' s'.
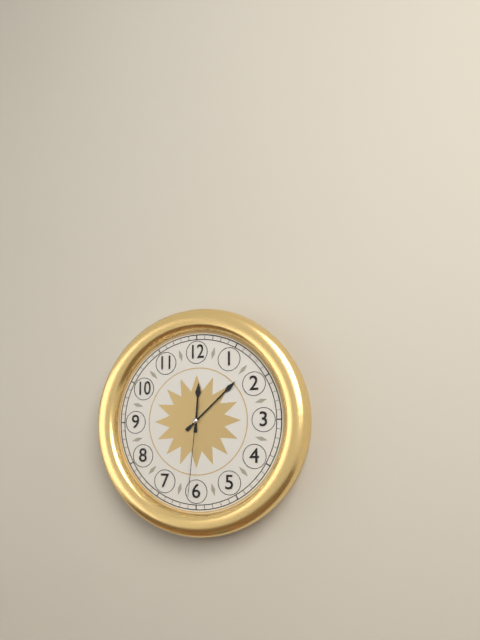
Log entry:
12 h 08 min 31 s
